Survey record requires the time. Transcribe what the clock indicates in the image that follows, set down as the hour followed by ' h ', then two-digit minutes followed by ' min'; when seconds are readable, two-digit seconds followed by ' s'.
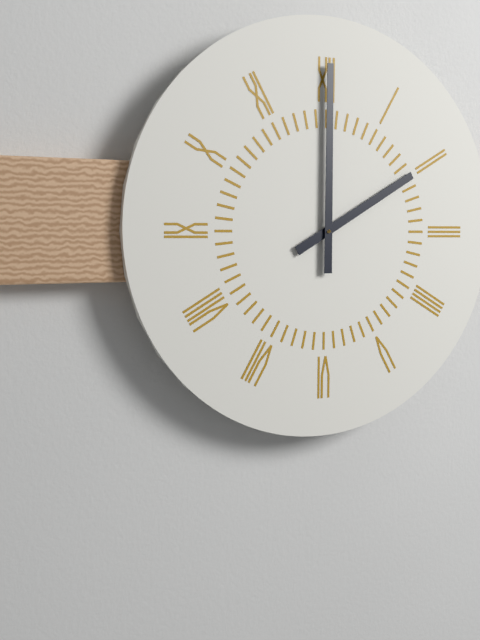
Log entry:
2 h 00 min
